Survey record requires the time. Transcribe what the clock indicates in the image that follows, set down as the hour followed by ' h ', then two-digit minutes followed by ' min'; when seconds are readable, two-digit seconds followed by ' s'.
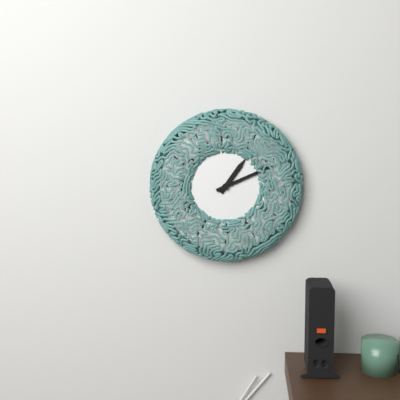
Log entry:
1 h 11 min
